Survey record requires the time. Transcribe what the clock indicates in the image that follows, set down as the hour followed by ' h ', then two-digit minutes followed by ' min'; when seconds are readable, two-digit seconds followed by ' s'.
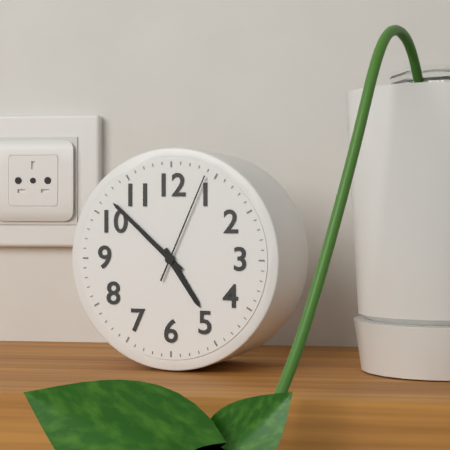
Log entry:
4 h 52 min 04 s
